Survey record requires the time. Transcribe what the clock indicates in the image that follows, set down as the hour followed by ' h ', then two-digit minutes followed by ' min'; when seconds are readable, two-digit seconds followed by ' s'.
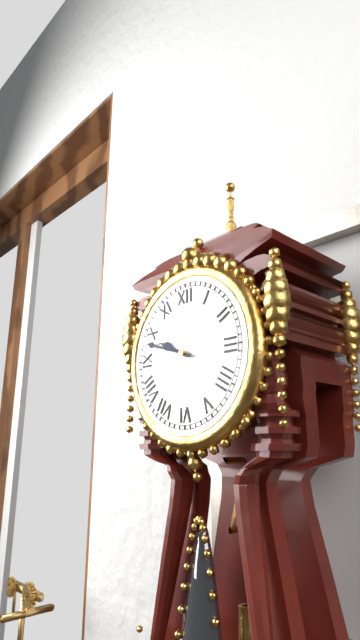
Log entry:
9 h 48 min
